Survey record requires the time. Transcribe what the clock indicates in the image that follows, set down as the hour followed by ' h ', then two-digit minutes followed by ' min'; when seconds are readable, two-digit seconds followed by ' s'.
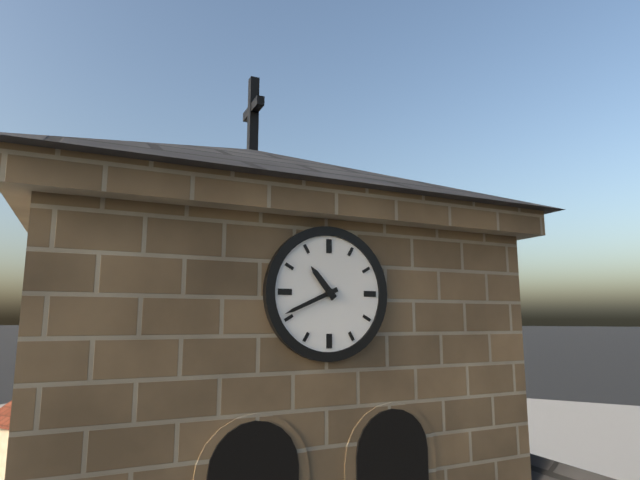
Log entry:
10 h 41 min
